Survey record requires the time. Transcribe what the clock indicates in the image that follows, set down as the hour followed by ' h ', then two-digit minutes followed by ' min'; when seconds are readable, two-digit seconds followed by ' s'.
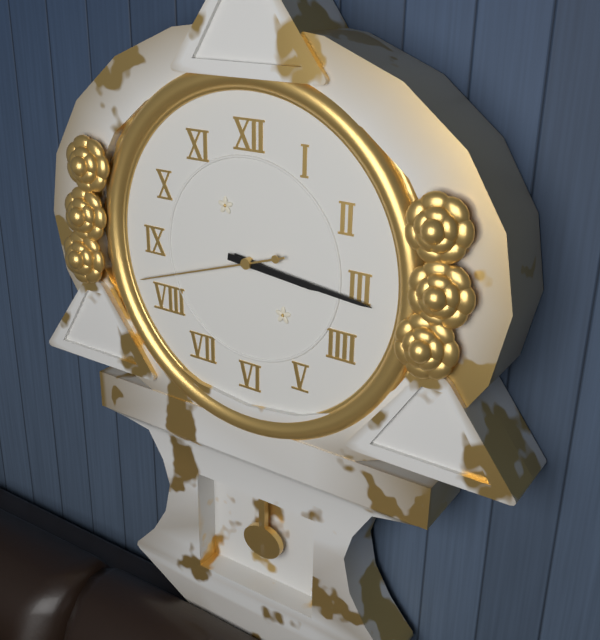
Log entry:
3 h 16 min 42 s
